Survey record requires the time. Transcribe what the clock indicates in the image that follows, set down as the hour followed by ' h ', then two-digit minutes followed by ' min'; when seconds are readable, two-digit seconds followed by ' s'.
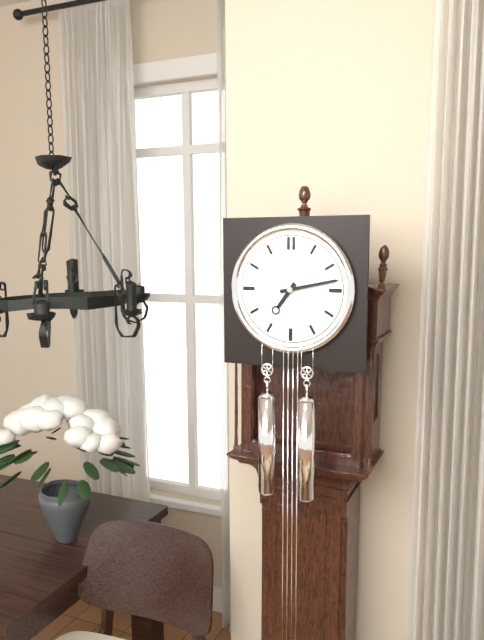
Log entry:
7 h 13 min
